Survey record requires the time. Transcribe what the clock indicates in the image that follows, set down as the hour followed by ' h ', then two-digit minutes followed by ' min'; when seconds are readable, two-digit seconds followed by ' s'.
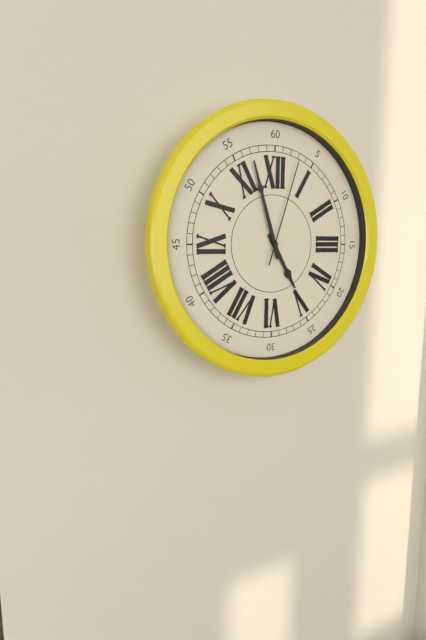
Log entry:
4 h 57 min 03 s
